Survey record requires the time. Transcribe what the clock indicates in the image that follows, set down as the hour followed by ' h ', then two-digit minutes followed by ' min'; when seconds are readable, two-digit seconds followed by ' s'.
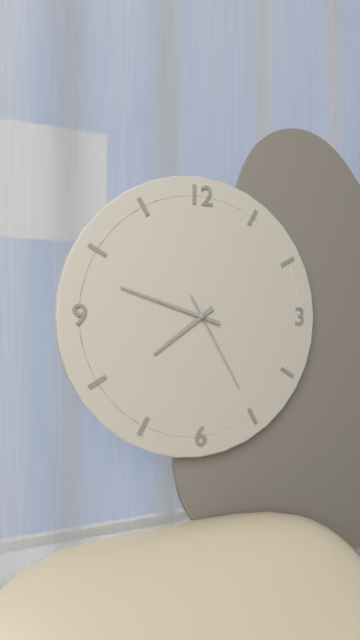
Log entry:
7 h 48 min 25 s
